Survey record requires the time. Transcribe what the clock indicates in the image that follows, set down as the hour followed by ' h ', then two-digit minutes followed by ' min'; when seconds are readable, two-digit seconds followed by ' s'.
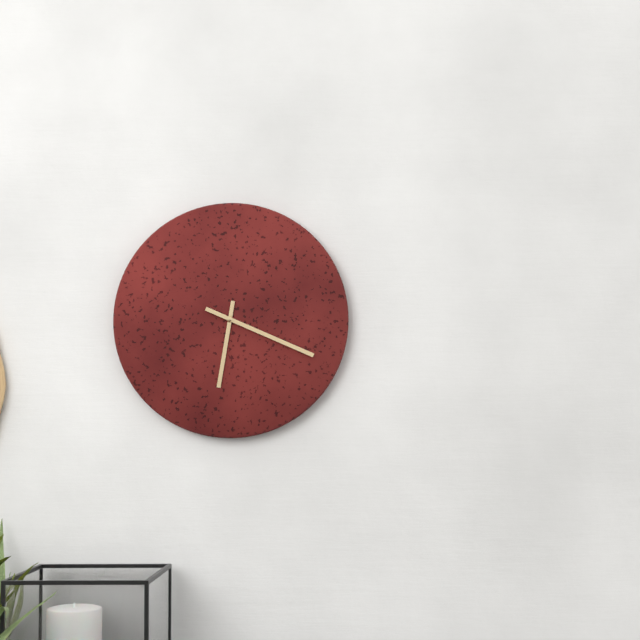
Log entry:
6 h 19 min
